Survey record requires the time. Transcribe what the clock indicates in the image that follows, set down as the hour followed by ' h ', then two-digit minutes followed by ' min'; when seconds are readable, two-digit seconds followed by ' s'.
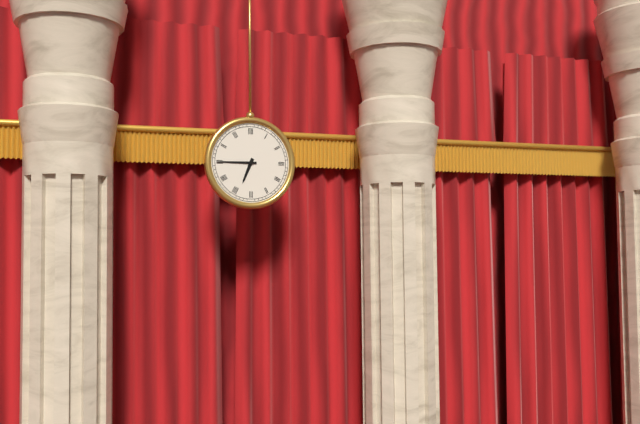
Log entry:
6 h 45 min
